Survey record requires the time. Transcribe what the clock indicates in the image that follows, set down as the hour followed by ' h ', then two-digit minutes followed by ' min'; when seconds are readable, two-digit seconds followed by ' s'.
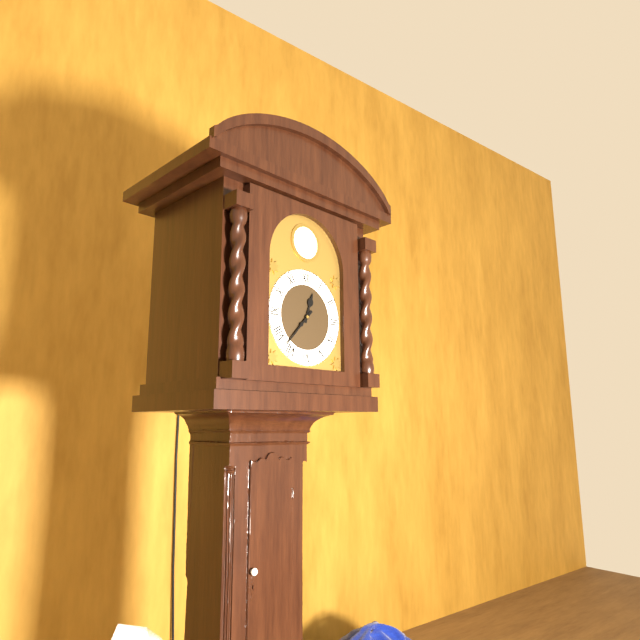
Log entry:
12 h 37 min
